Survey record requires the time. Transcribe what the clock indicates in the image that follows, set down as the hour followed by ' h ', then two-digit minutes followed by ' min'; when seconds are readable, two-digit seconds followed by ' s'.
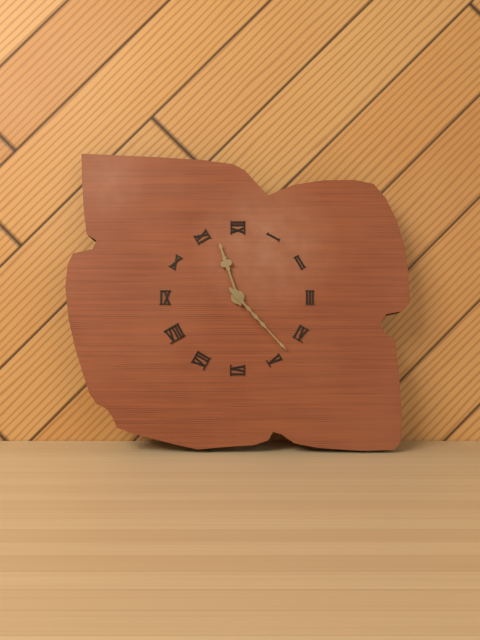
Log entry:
11 h 23 min
